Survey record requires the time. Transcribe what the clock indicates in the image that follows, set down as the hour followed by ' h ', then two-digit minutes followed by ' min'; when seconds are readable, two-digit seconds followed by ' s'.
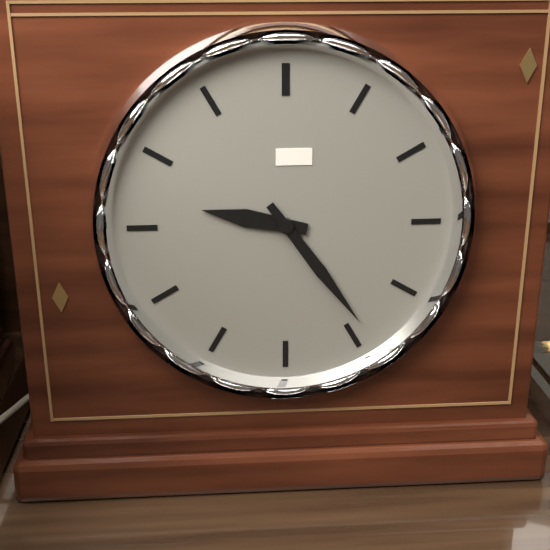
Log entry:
9 h 24 min
